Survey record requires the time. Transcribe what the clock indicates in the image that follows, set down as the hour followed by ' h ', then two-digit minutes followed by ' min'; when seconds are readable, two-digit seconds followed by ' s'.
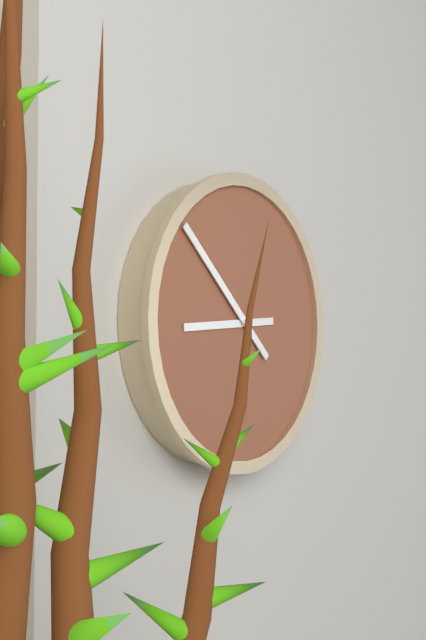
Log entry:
8 h 52 min
